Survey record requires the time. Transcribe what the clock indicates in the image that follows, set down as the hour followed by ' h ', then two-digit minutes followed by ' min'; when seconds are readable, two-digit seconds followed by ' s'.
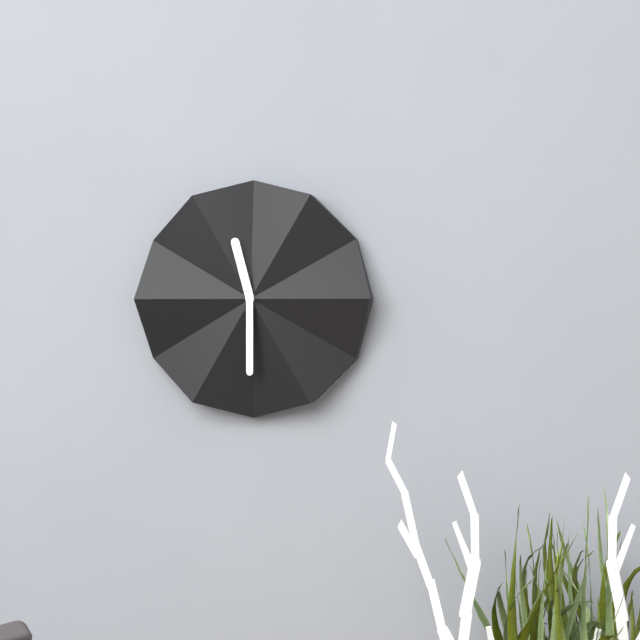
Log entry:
11 h 30 min
